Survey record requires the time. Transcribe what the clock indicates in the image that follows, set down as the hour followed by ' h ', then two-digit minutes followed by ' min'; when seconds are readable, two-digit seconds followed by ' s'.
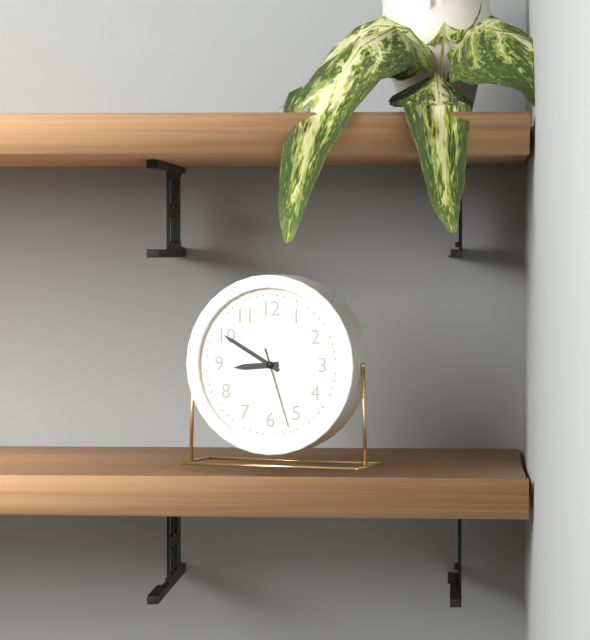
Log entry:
8 h 50 min 27 s
